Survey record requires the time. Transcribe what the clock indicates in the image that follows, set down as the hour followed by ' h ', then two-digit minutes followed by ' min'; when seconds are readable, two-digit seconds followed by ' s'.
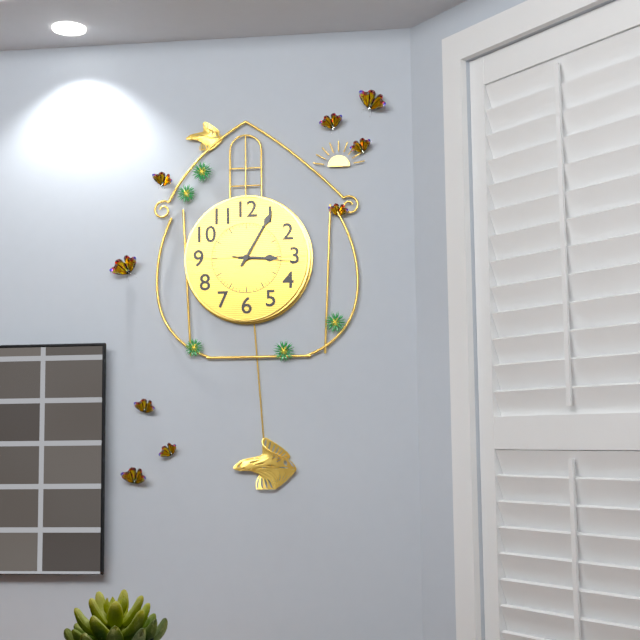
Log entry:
3 h 05 min 16 s
